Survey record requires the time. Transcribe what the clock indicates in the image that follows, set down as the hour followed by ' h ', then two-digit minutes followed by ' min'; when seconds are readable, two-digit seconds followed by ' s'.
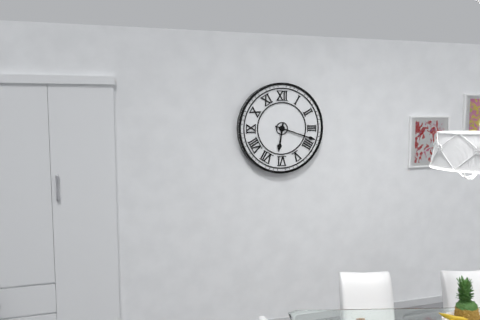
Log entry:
6 h 18 min
